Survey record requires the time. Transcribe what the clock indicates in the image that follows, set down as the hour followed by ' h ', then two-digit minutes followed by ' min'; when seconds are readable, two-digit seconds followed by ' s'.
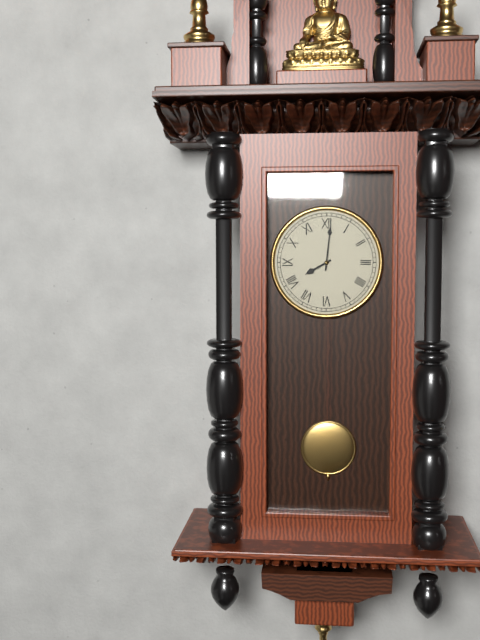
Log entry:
8 h 01 min
